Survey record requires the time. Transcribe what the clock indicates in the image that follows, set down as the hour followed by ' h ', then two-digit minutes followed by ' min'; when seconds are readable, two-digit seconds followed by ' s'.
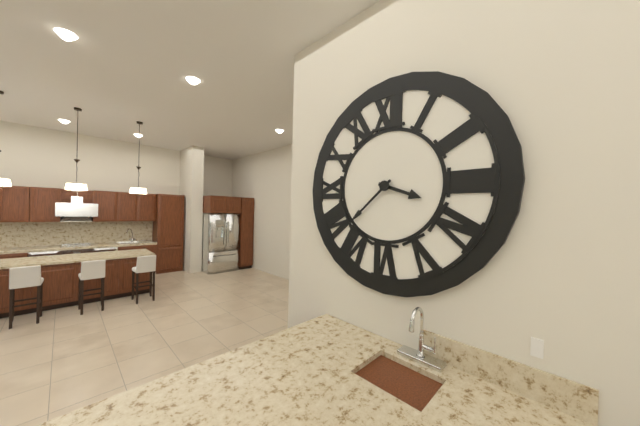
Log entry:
3 h 38 min
